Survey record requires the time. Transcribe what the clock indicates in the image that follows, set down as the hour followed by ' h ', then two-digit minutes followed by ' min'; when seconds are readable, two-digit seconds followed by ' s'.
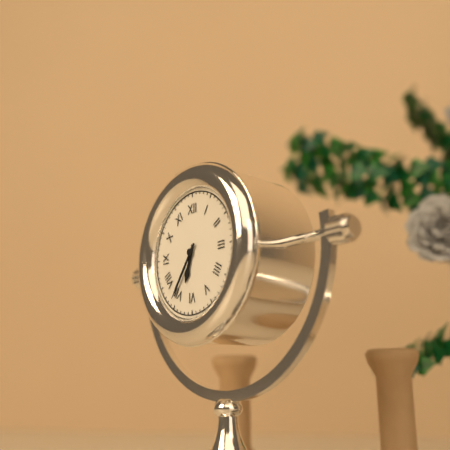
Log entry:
6 h 36 min
